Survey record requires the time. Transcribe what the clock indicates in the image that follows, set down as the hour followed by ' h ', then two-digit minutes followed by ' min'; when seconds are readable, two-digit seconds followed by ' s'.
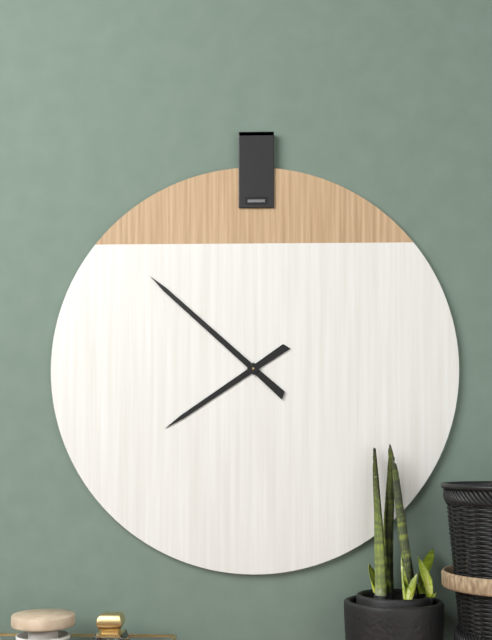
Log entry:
7 h 52 min
